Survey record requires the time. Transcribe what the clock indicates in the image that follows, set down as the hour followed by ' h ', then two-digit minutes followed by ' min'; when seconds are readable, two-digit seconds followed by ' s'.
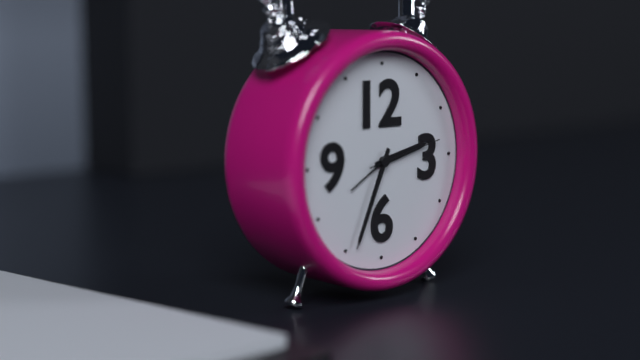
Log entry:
2 h 34 min 13 s
